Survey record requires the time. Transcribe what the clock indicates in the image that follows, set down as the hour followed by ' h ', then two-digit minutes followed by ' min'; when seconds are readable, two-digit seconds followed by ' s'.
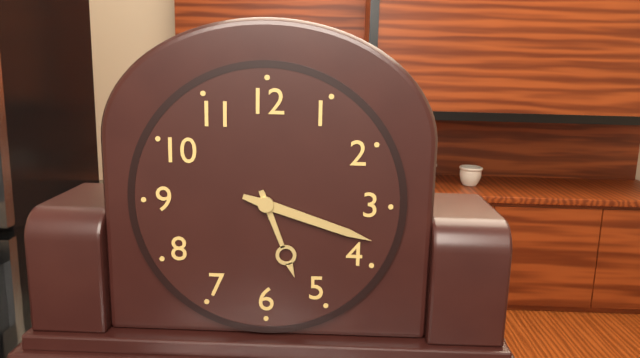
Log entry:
5 h 18 min
